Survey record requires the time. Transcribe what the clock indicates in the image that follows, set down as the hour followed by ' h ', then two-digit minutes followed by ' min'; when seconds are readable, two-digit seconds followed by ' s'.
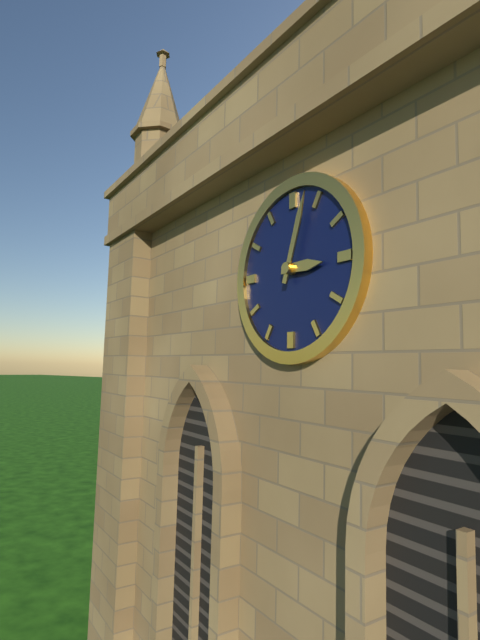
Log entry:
3 h 03 min
